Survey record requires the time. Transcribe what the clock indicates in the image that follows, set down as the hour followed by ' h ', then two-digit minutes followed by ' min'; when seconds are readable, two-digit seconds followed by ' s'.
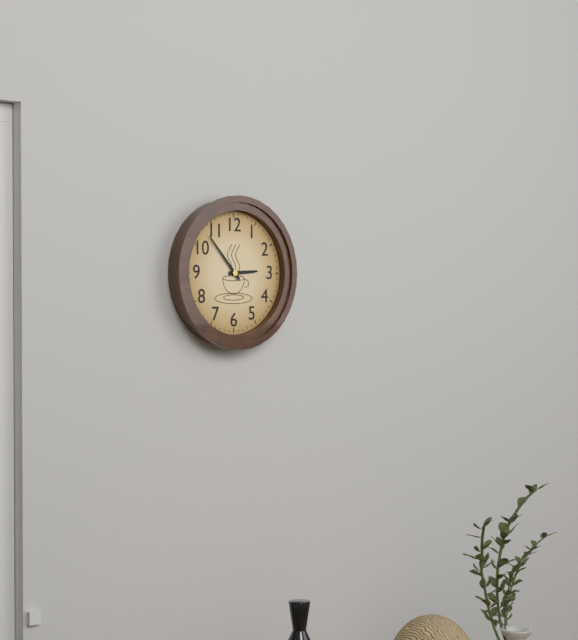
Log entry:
2 h 53 min
